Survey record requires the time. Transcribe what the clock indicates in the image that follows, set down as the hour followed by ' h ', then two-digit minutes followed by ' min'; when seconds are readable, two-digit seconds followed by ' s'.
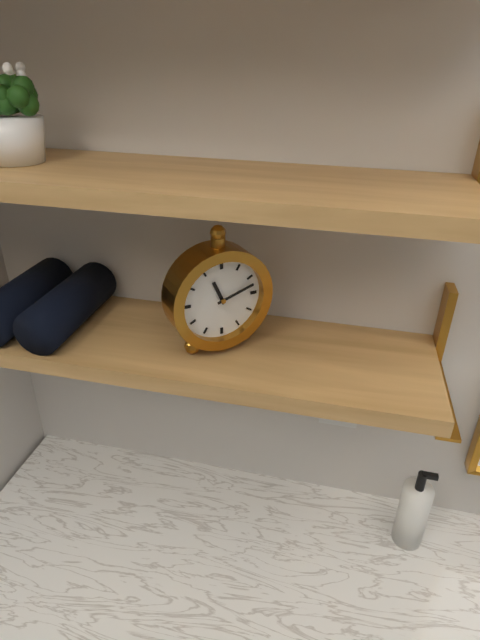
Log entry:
11 h 12 min
